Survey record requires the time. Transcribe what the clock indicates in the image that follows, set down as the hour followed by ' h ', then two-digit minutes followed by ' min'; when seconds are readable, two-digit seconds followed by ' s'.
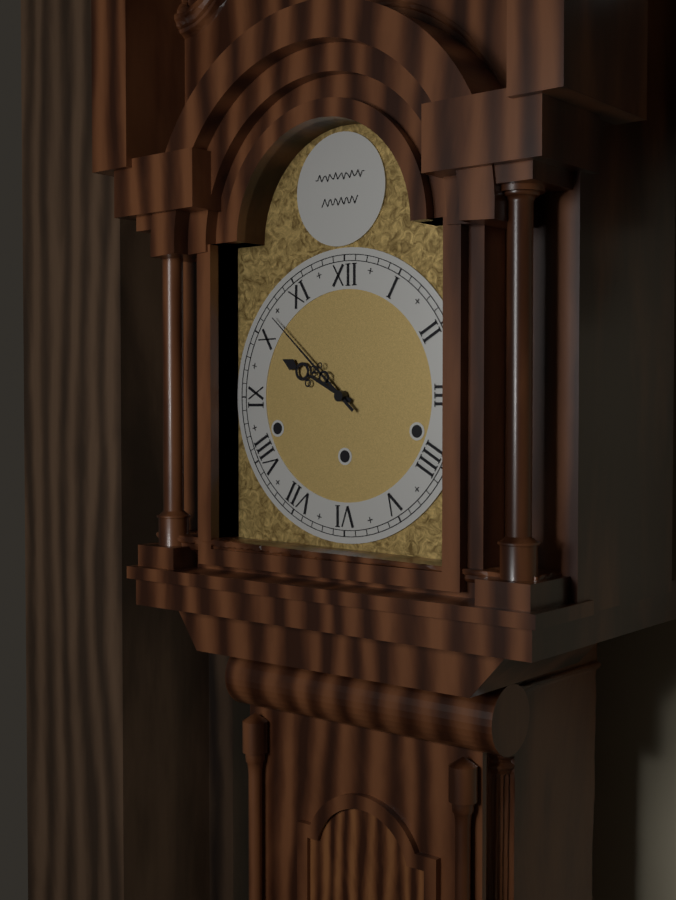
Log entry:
9 h 52 min
